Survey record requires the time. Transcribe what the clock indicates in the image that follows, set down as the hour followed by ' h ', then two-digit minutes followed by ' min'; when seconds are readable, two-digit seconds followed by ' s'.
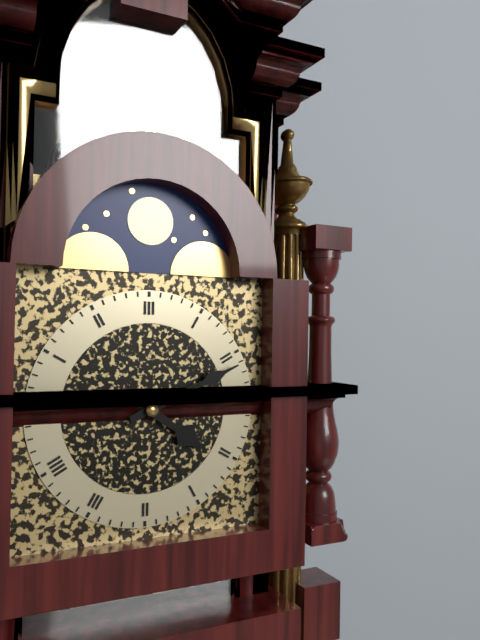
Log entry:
4 h 11 min
